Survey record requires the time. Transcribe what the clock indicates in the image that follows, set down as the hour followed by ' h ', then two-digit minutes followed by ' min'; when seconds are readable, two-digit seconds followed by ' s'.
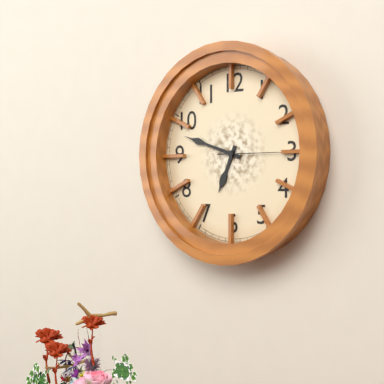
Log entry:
6 h 48 min 15 s
